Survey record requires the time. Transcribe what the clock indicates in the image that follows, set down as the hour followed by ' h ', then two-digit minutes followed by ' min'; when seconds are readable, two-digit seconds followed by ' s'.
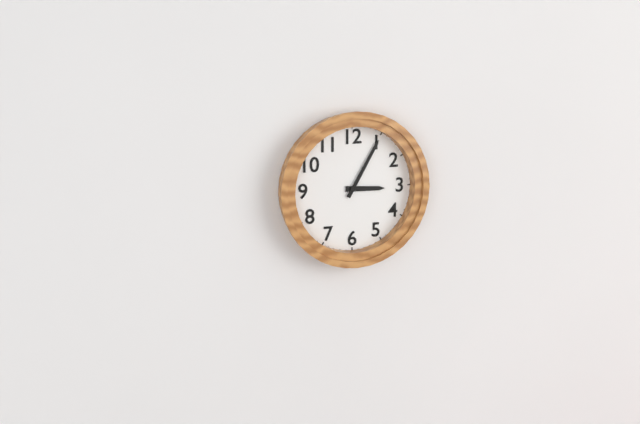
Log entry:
3 h 05 min
